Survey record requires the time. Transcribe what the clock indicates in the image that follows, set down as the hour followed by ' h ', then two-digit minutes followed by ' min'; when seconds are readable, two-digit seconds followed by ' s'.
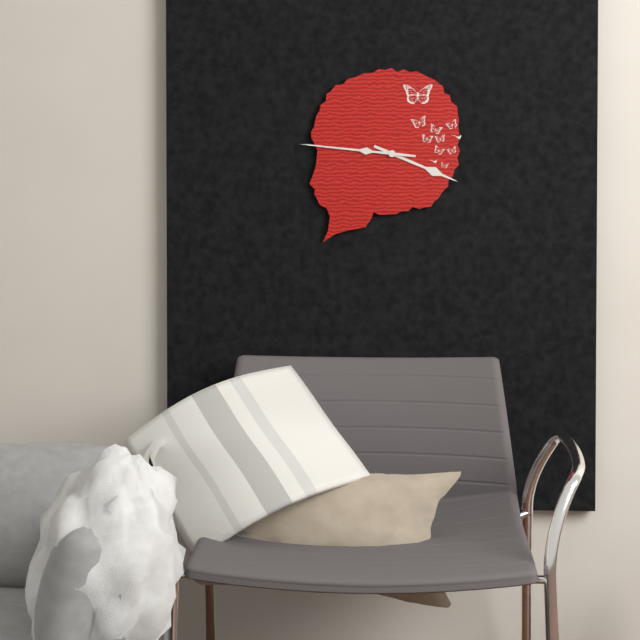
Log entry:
3 h 46 min
